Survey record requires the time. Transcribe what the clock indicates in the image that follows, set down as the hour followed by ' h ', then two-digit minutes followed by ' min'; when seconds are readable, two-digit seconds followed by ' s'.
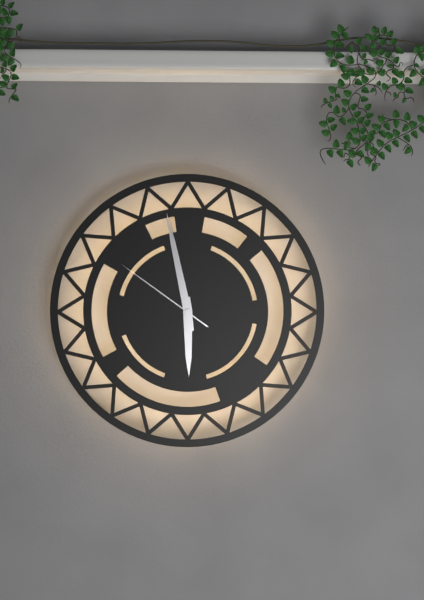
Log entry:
5 h 58 min 51 s
